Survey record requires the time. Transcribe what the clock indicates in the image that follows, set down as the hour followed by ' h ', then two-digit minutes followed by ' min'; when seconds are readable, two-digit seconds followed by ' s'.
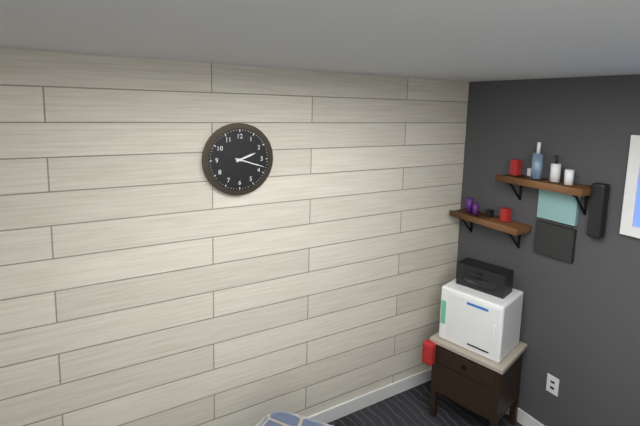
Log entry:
2 h 18 min
